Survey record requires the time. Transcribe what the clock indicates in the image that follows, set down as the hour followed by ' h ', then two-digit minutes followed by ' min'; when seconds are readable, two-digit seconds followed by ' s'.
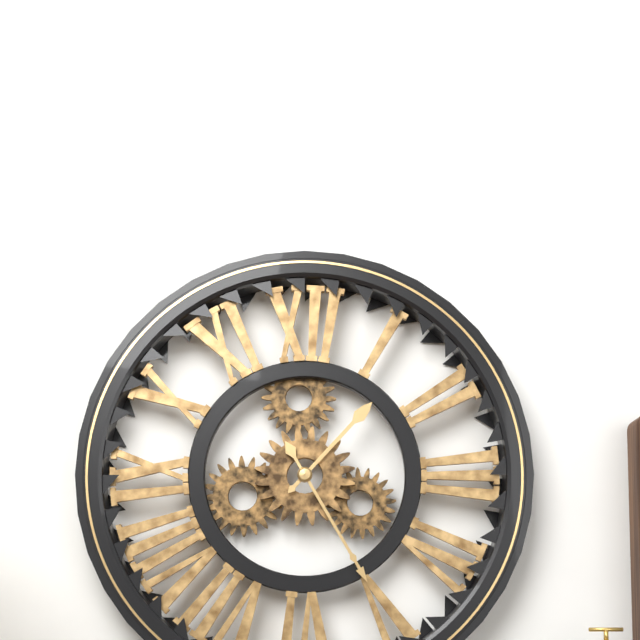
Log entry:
1 h 25 min
